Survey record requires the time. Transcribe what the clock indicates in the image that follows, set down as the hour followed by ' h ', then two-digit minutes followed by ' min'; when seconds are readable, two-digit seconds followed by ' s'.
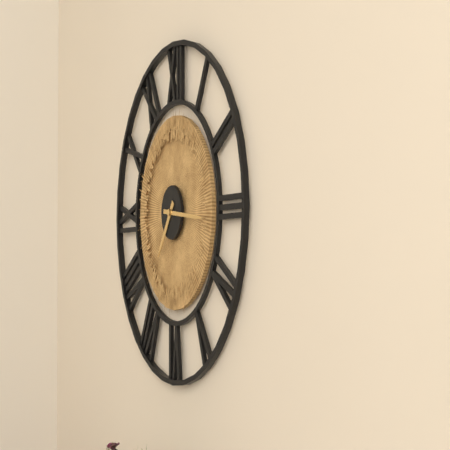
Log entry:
7 h 16 min
